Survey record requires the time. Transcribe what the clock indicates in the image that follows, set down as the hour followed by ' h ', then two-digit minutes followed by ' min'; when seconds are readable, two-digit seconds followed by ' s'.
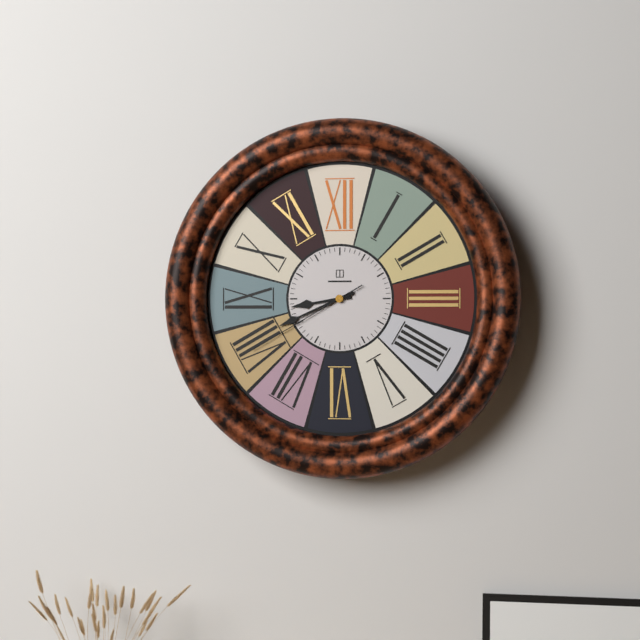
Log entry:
8 h 41 min 40 s
